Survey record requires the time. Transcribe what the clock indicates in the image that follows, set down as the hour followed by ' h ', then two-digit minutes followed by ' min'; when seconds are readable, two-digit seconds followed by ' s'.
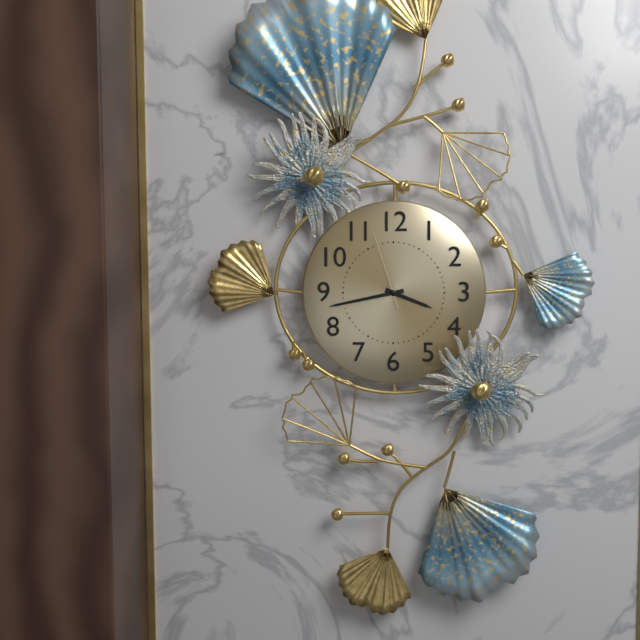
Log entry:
3 h 43 min 57 s
